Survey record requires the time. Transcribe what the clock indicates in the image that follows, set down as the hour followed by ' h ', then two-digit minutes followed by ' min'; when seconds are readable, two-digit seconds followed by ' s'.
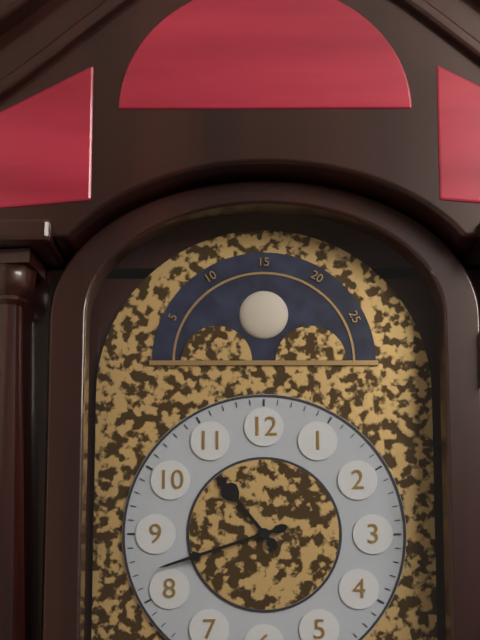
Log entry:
10 h 42 min
